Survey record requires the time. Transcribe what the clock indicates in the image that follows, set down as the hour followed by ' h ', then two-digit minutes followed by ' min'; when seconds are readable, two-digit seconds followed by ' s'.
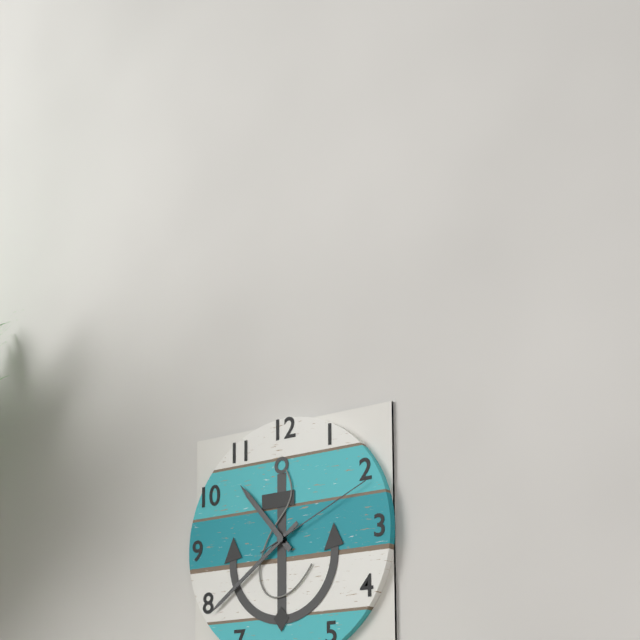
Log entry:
10 h 39 min 11 s
